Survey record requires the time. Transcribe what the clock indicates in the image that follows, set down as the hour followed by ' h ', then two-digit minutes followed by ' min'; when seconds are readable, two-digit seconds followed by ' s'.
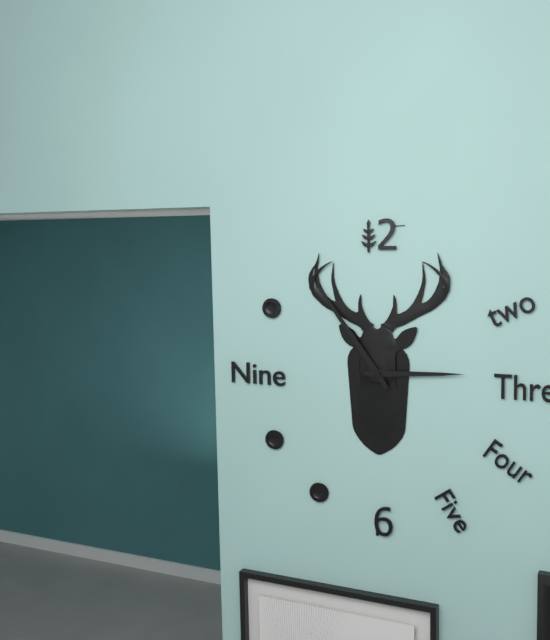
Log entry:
2 h 54 min
